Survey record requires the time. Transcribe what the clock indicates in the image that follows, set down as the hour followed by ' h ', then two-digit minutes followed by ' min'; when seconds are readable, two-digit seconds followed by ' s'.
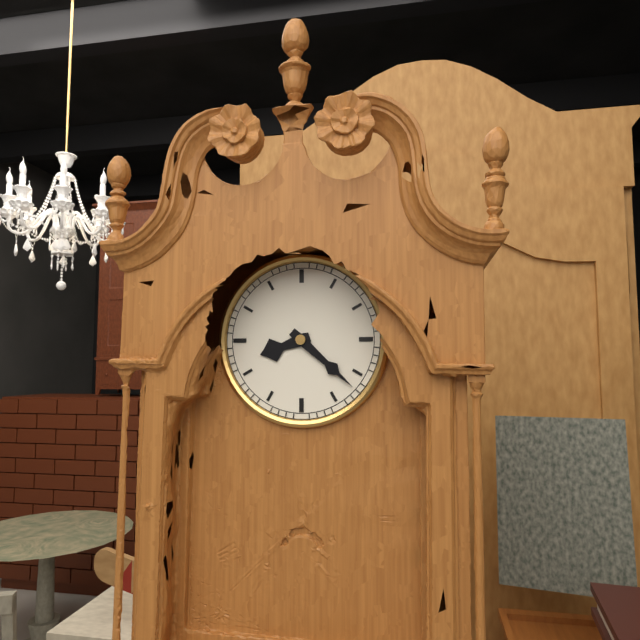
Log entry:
8 h 22 min
